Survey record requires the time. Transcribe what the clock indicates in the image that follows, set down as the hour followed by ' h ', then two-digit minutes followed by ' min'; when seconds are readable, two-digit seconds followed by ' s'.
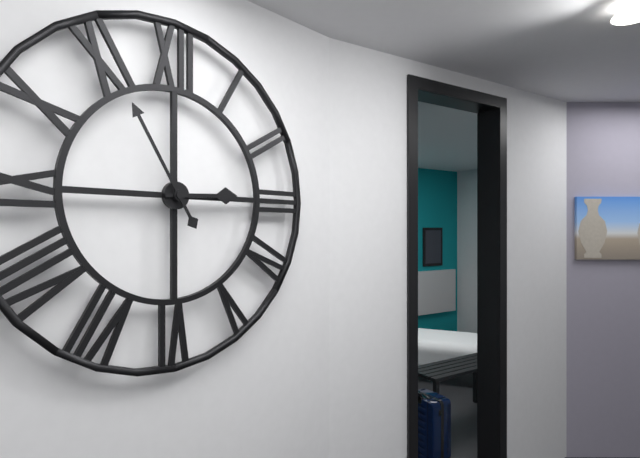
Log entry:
2 h 55 min
